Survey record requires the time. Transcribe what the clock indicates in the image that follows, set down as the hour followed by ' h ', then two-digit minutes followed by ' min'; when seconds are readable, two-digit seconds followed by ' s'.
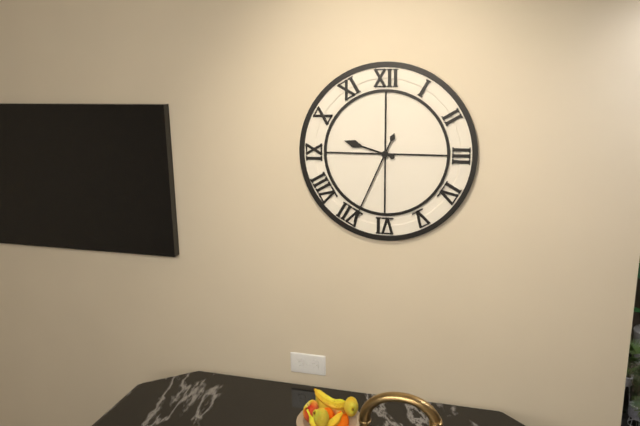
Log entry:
9 h 34 min
